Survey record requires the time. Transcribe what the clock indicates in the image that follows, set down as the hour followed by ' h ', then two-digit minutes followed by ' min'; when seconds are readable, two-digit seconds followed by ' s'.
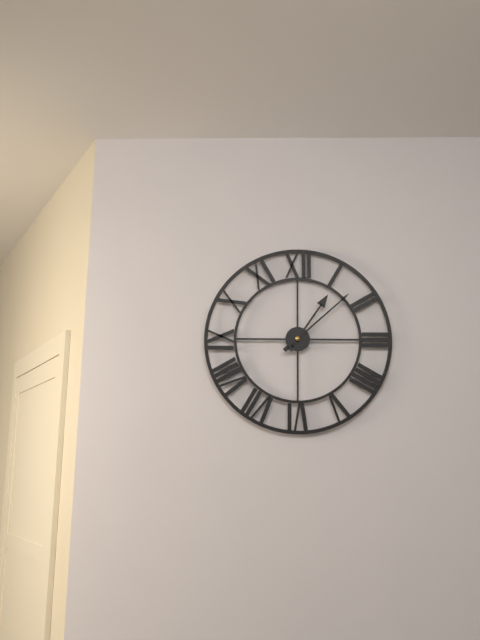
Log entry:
1 h 08 min
